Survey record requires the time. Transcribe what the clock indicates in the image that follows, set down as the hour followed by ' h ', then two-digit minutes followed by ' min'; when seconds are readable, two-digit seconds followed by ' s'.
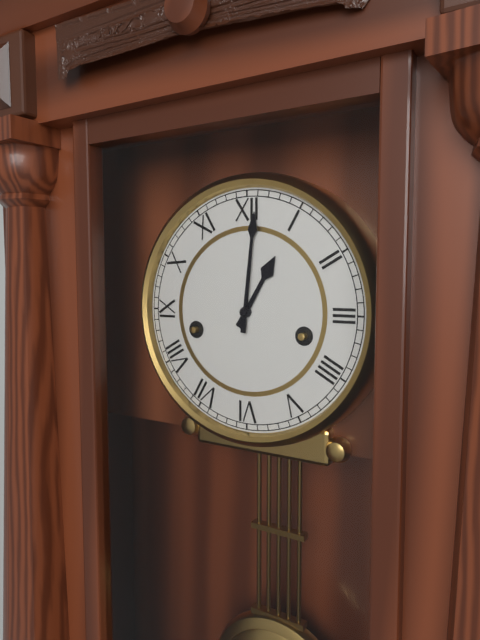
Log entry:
1 h 01 min
